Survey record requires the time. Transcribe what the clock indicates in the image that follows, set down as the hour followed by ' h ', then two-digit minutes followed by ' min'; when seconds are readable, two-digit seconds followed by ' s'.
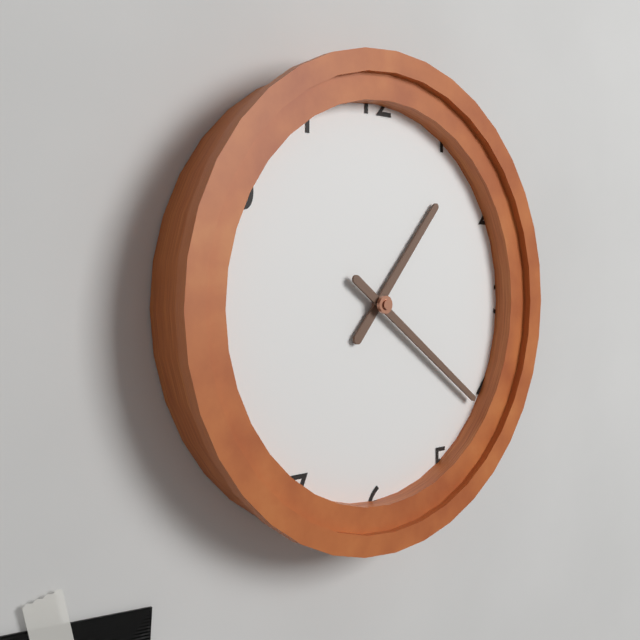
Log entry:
1 h 21 min
